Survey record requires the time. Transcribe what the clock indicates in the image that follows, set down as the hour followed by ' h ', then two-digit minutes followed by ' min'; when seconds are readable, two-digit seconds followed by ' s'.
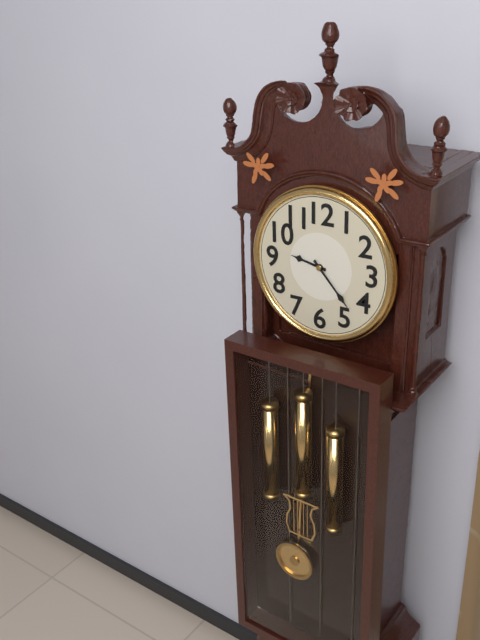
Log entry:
9 h 23 min
